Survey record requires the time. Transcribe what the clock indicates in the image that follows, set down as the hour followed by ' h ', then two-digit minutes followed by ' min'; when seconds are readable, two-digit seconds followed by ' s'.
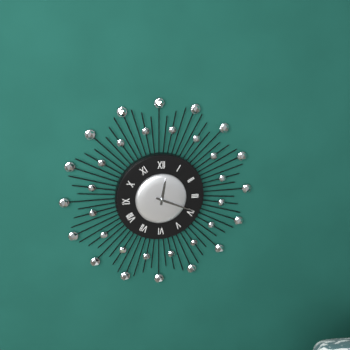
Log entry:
12 h 19 min
